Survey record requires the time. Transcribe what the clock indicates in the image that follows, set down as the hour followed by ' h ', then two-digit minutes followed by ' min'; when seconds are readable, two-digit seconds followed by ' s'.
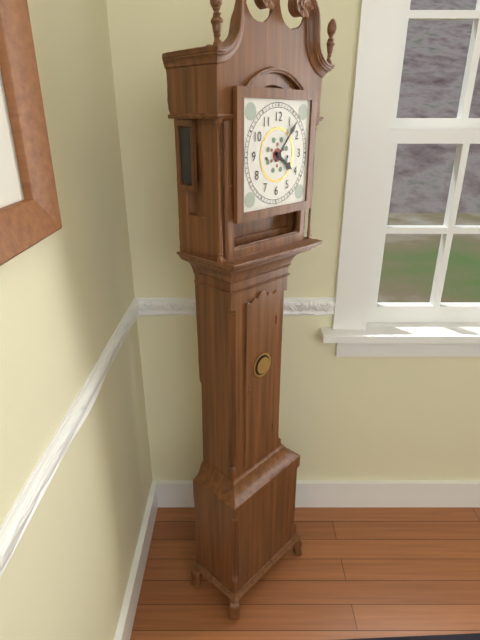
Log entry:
4 h 07 min
